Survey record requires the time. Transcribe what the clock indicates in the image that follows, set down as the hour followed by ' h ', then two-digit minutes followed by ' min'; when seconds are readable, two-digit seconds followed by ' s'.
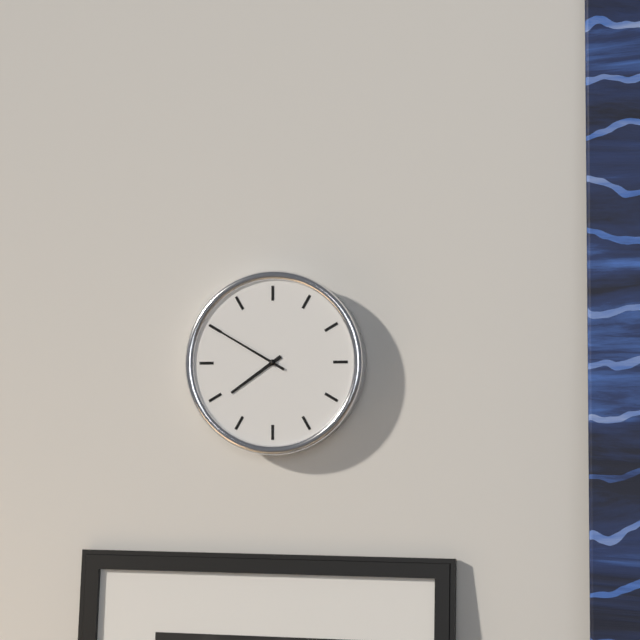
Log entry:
7 h 50 min
